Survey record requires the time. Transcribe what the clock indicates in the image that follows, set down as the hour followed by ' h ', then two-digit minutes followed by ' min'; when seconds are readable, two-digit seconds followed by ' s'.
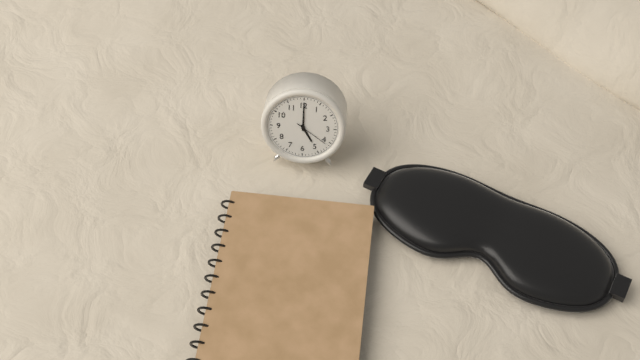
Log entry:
5 h 00 min
